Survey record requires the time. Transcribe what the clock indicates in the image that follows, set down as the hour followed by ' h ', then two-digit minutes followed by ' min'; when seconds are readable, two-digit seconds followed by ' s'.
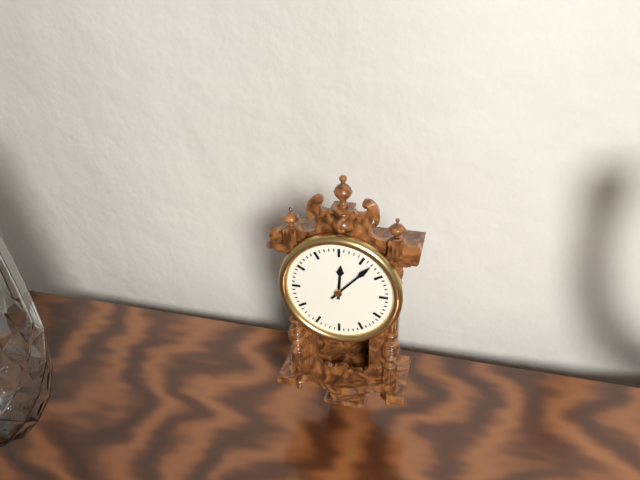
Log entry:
12 h 07 min
